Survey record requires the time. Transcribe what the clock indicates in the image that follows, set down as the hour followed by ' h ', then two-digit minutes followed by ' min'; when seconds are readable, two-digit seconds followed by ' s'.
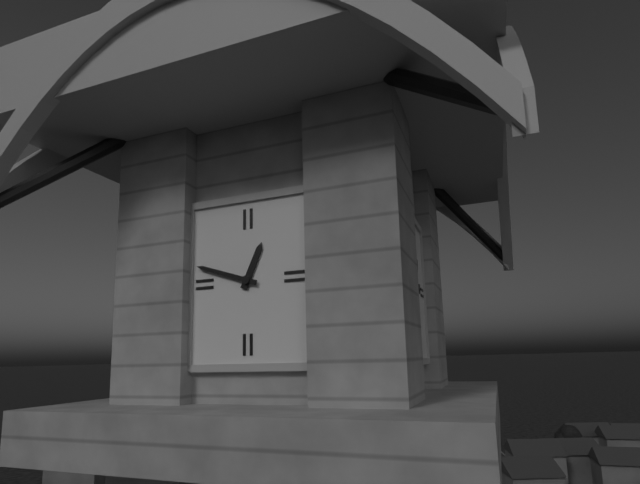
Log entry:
12 h 48 min
